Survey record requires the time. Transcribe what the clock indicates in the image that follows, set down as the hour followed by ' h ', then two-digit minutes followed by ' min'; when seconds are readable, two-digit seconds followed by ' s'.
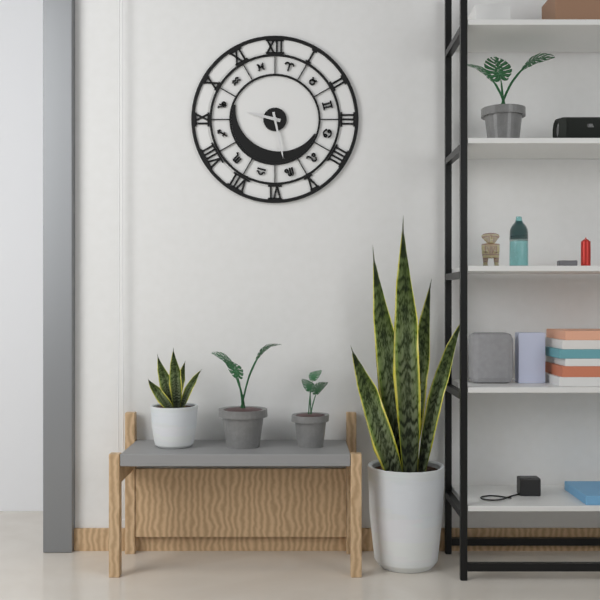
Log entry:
9 h 28 min
